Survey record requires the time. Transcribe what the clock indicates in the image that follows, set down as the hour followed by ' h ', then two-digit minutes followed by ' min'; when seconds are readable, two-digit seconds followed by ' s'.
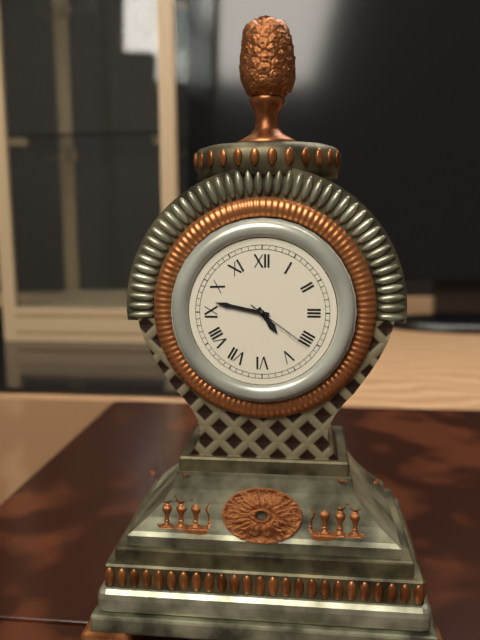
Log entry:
4 h 47 min 21 s
